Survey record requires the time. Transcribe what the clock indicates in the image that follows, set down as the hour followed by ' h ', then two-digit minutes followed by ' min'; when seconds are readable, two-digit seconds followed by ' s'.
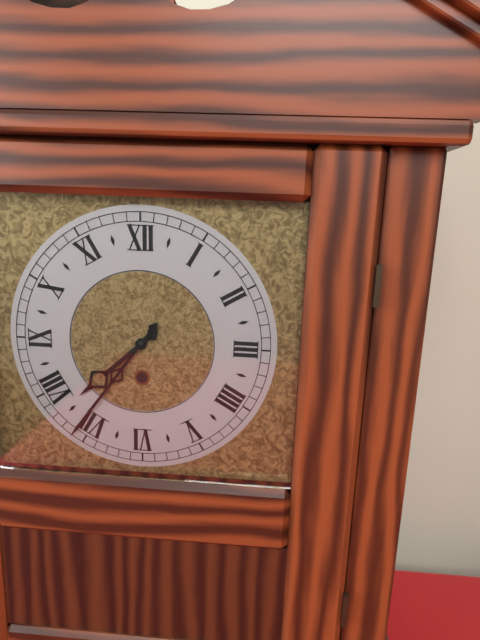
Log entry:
7 h 36 min
